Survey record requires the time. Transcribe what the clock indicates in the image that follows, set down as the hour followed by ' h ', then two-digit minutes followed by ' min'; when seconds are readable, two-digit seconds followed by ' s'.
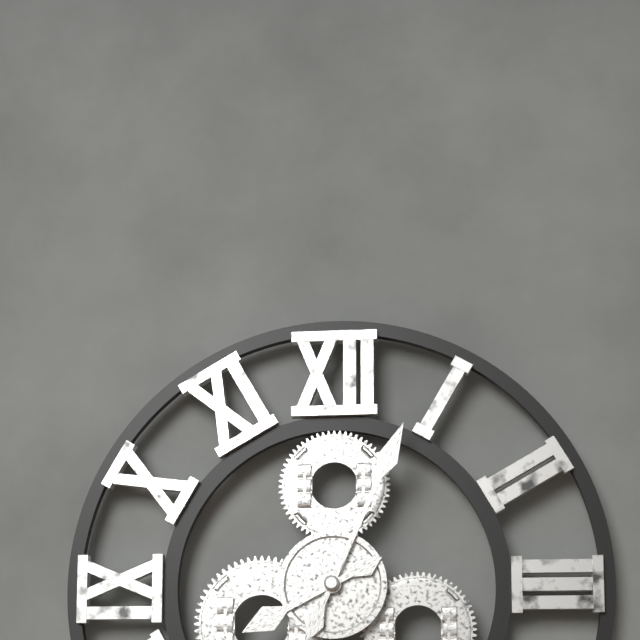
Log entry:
8 h 04 min
